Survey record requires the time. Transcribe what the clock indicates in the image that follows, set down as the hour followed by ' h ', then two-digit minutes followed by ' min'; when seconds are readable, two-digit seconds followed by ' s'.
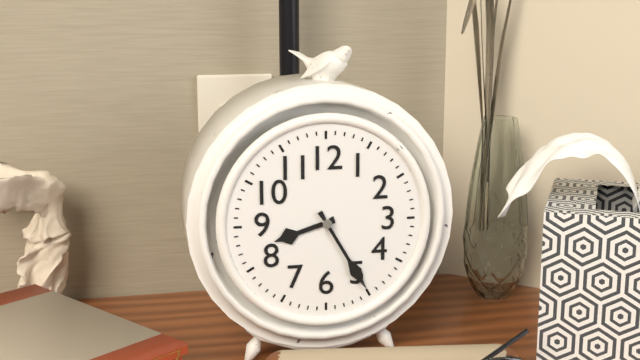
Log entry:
8 h 25 min
